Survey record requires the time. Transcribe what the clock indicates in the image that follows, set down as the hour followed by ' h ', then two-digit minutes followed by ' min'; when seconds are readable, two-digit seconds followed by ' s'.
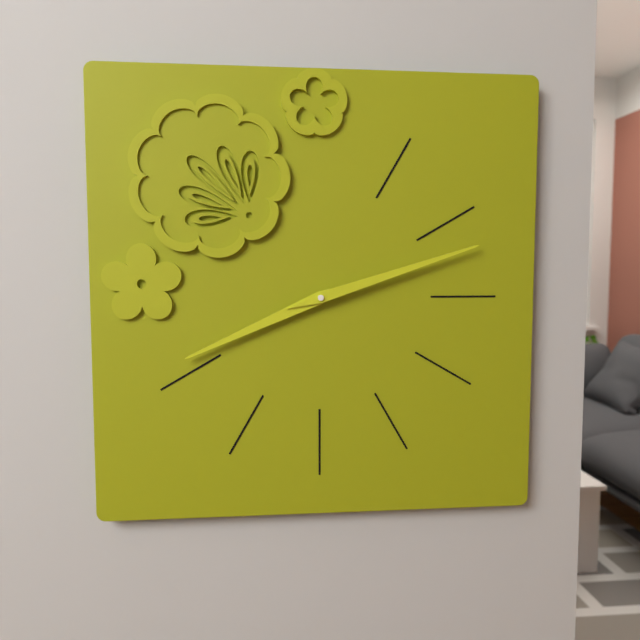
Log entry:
8 h 12 min
